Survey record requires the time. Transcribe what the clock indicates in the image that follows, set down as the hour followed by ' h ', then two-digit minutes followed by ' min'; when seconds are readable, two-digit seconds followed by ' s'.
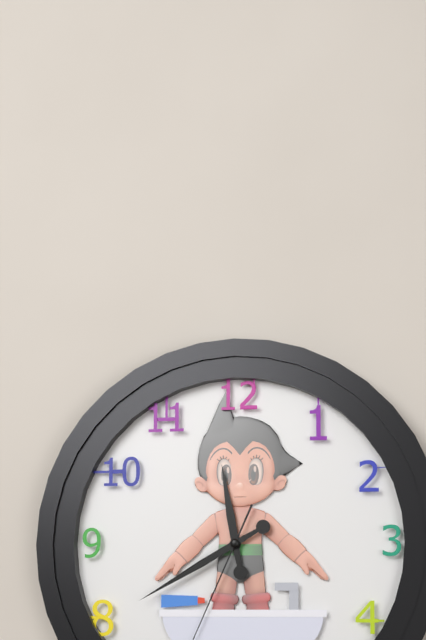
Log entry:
11 h 40 min
